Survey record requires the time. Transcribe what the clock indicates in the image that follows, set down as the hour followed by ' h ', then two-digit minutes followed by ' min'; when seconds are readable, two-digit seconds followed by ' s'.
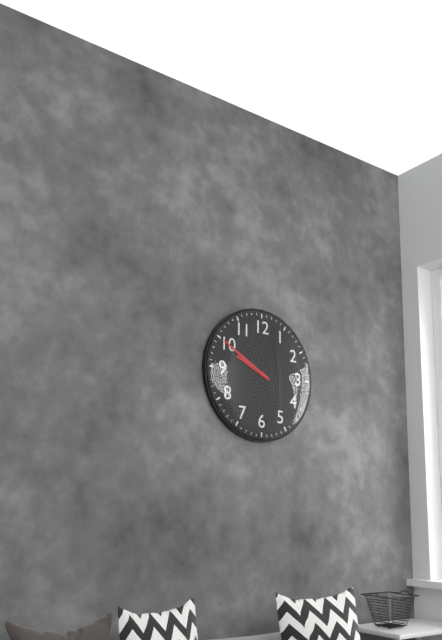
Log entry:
9 h 50 min
